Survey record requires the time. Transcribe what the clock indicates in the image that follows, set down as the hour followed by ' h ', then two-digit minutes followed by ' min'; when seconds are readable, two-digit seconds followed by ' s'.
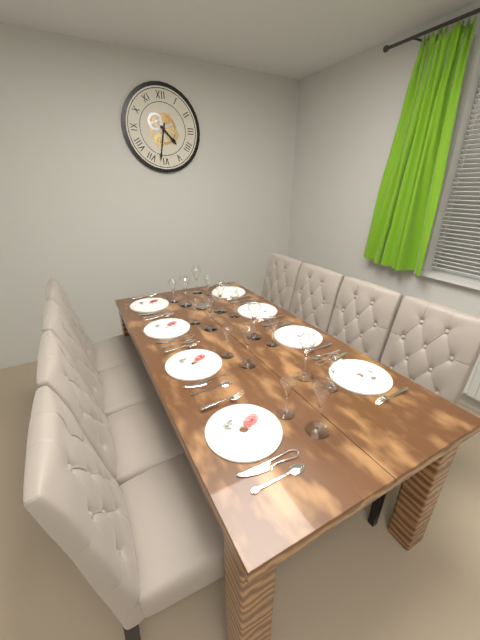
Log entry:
4 h 32 min
